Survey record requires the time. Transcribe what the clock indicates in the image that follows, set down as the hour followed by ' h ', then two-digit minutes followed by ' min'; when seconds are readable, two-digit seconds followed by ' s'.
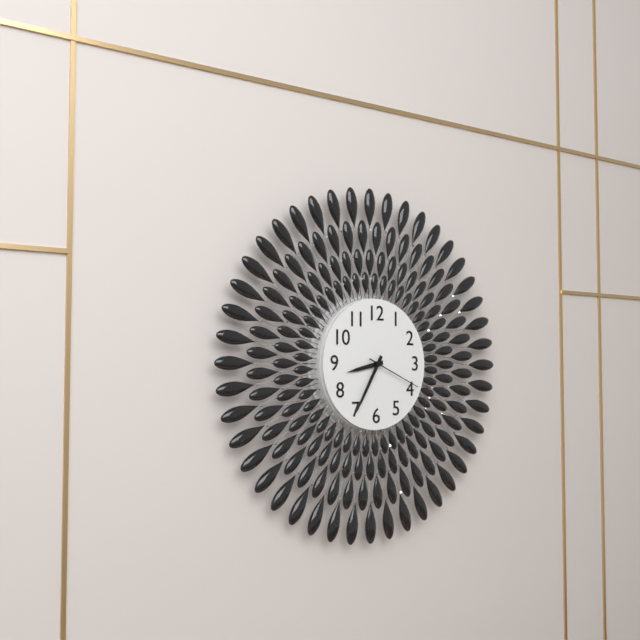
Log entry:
8 h 35 min 19 s
